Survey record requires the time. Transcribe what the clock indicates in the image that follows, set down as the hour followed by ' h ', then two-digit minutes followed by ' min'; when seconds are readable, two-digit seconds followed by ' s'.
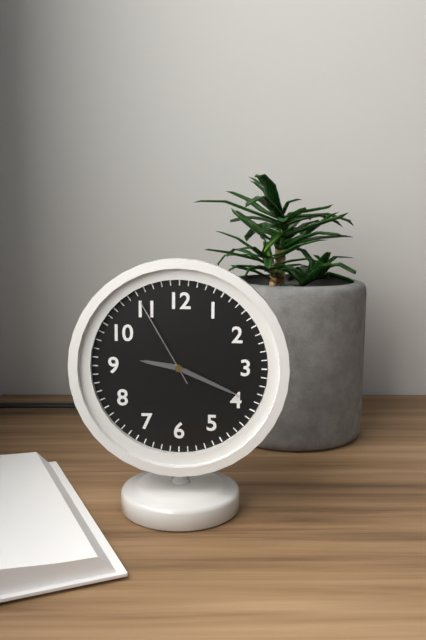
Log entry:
9 h 19 min 55 s
